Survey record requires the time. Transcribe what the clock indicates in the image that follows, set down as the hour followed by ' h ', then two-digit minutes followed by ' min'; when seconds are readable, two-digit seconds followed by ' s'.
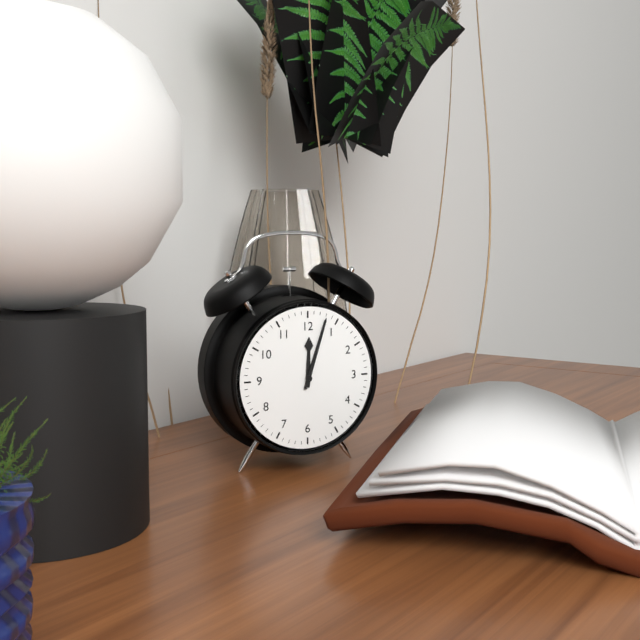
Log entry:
12 h 03 min
